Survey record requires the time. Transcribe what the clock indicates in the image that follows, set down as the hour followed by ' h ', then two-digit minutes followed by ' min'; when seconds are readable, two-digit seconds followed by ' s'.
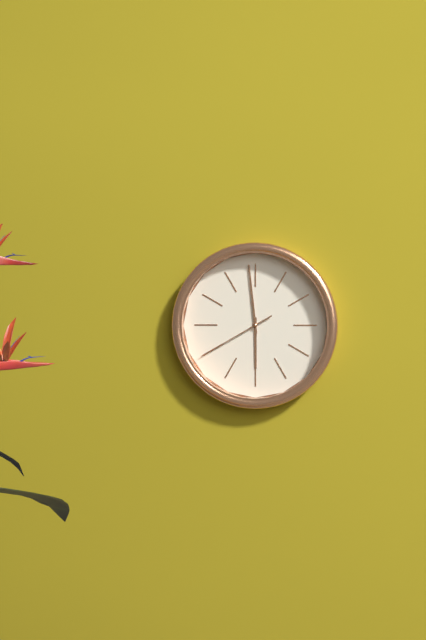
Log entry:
5 h 59 min 40 s
